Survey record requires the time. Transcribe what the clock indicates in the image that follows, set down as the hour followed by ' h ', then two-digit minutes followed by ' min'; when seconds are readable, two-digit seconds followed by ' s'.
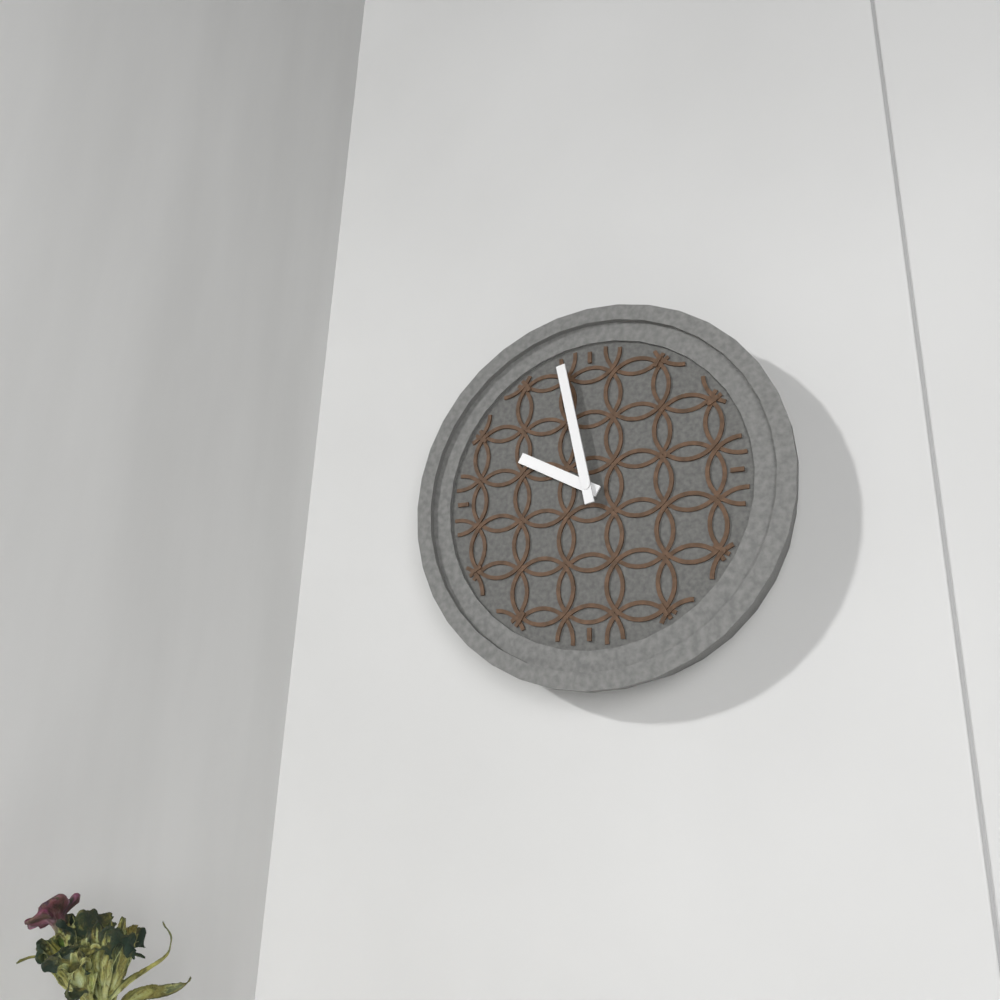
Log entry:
9 h 58 min
